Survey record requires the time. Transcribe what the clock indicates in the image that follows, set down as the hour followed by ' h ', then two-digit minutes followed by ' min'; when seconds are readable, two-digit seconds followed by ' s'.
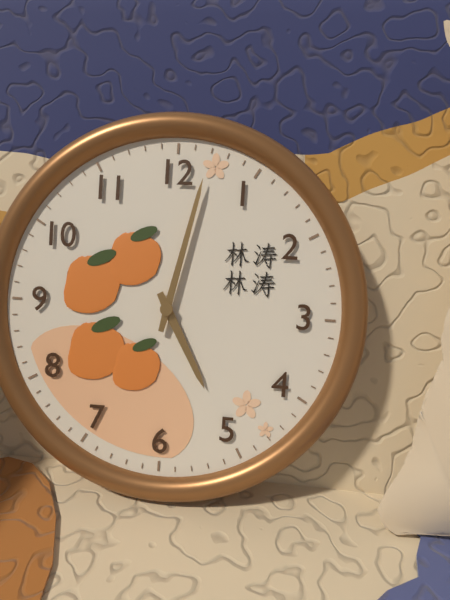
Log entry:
5 h 02 min
